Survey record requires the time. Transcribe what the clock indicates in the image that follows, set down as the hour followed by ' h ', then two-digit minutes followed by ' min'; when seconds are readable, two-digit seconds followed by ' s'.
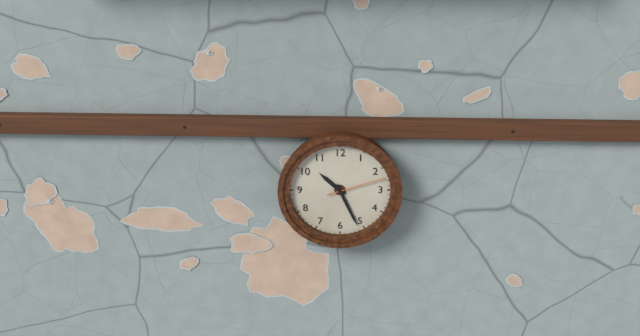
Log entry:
10 h 26 min 12 s
